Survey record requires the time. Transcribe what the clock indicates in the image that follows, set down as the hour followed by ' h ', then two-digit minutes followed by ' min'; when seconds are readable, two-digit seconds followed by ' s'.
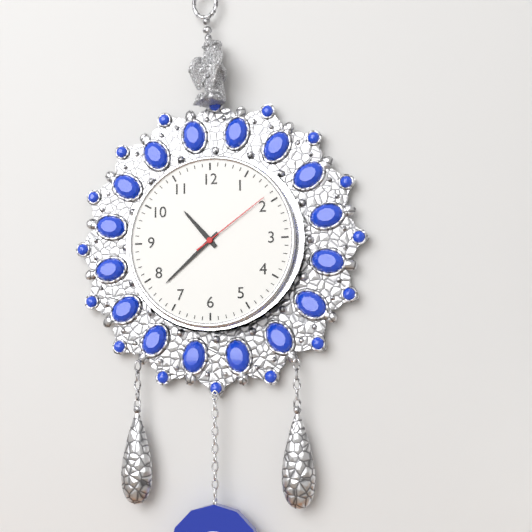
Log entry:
10 h 38 min 09 s
